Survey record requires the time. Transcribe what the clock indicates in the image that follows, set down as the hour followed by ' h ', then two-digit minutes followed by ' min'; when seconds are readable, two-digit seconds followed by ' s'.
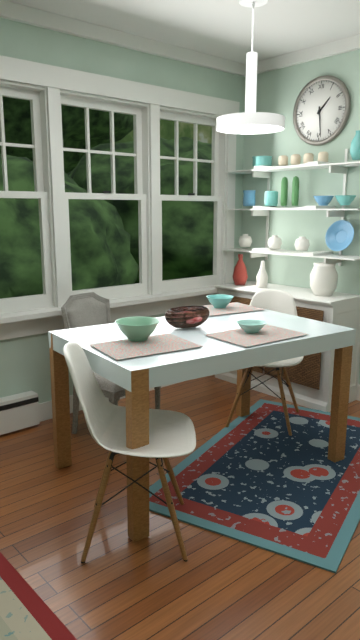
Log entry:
1 h 29 min
